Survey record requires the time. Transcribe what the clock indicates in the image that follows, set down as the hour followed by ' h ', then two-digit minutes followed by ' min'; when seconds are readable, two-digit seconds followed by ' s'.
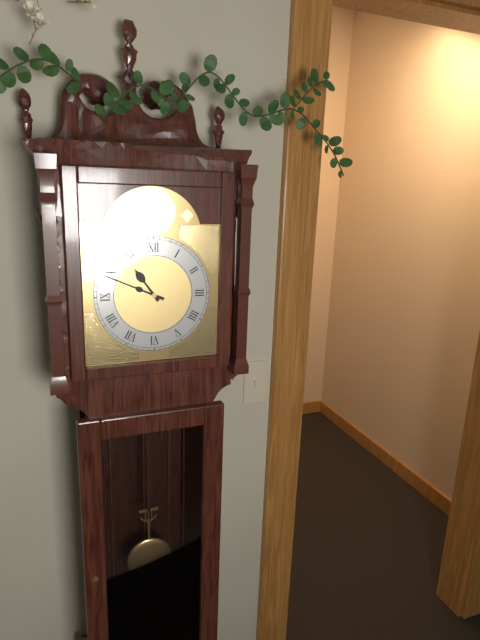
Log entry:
10 h 49 min
